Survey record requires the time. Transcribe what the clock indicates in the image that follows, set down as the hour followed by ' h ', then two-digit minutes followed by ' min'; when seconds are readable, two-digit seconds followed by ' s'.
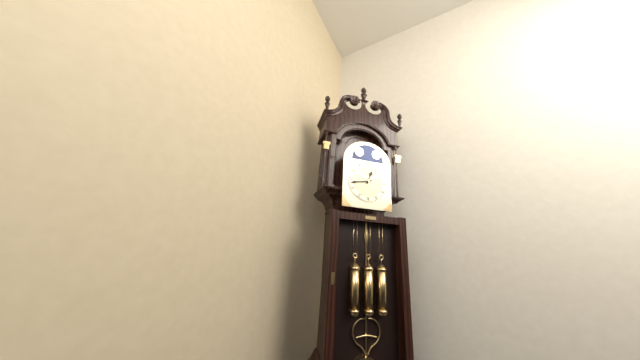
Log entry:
12 h 43 min
